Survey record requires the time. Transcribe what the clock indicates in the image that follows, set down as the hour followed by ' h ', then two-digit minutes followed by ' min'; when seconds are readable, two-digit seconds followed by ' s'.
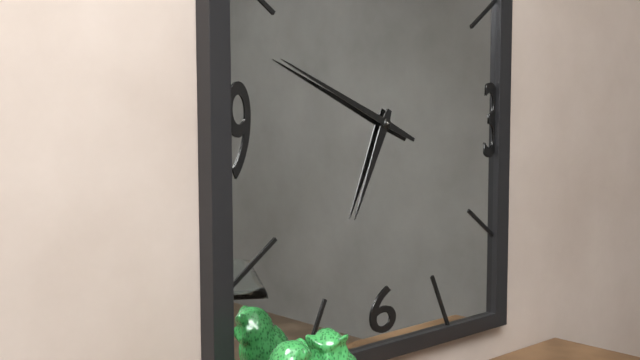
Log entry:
6 h 49 min
